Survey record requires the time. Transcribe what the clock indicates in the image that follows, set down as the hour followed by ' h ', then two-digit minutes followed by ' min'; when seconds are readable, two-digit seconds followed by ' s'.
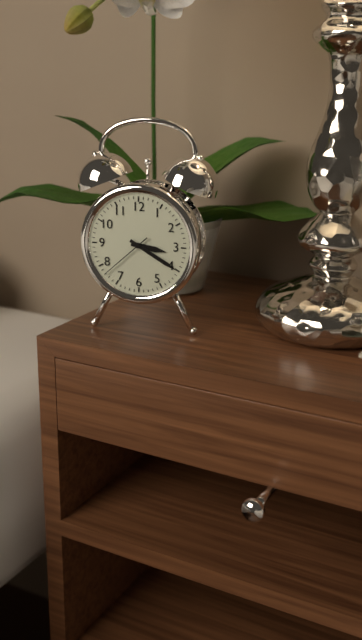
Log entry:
3 h 20 min 38 s
